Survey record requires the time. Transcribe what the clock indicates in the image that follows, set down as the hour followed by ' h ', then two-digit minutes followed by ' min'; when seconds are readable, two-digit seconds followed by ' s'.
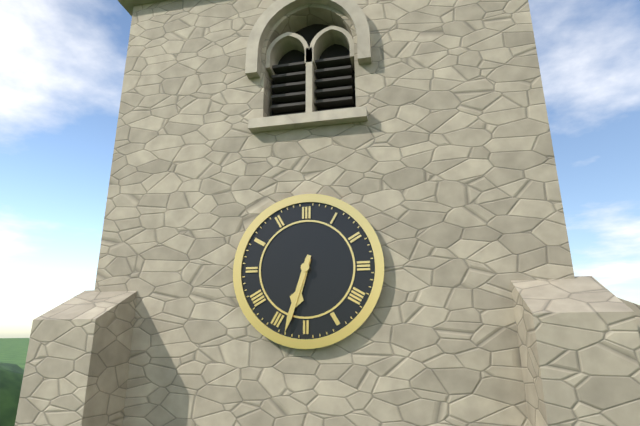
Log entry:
6 h 33 min
